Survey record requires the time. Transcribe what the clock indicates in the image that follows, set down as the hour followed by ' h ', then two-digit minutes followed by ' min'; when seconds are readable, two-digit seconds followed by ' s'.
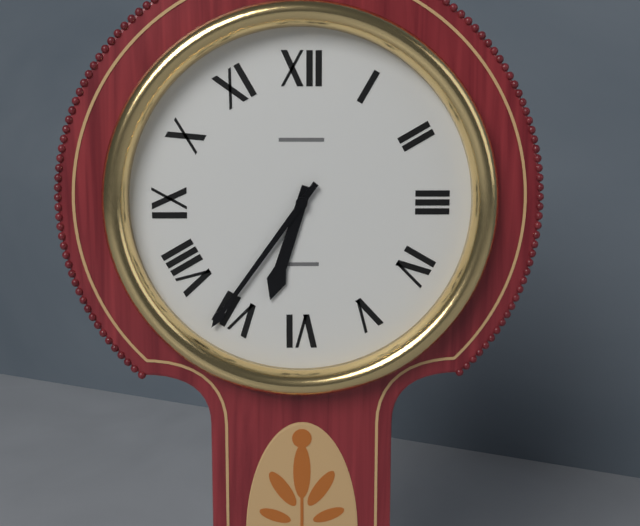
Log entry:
6 h 36 min
